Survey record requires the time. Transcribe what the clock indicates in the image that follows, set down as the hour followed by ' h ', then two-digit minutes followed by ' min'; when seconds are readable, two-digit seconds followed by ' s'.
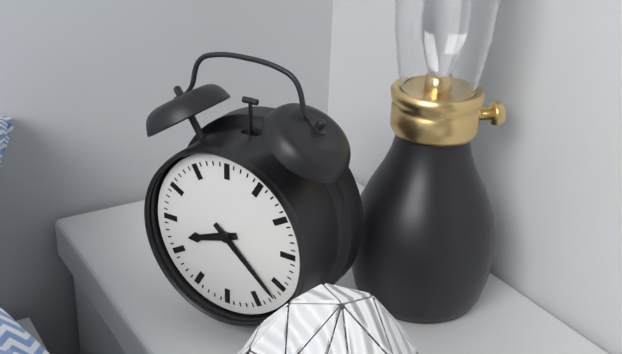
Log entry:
8 h 22 min
